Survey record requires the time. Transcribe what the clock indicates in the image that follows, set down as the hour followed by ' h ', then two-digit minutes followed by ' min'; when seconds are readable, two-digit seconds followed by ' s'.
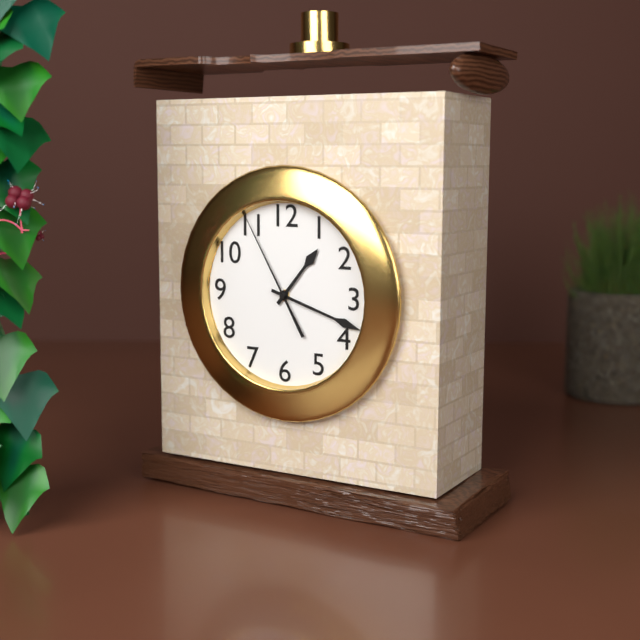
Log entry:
1 h 18 min 55 s
